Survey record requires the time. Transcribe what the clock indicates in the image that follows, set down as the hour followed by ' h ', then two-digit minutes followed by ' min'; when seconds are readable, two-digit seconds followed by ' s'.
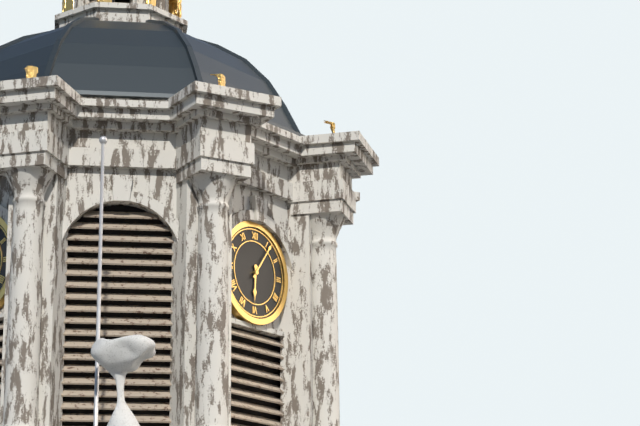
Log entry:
6 h 06 min
